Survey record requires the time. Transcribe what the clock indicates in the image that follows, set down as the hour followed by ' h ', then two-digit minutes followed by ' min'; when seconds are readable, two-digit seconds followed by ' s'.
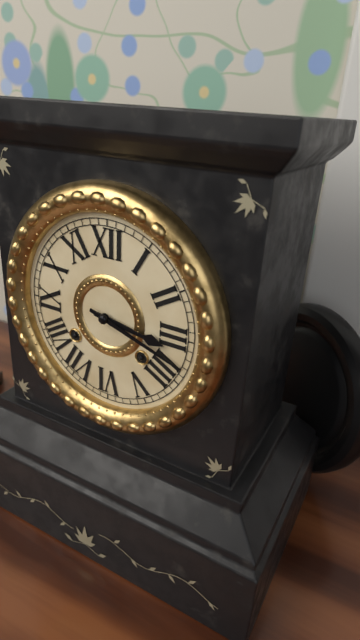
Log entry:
3 h 18 min
